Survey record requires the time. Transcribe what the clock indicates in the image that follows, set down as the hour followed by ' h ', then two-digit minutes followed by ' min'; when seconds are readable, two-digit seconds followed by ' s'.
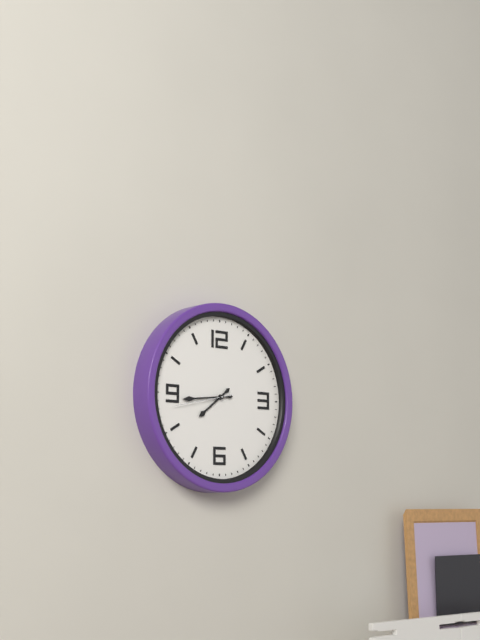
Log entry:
7 h 44 min 43 s
